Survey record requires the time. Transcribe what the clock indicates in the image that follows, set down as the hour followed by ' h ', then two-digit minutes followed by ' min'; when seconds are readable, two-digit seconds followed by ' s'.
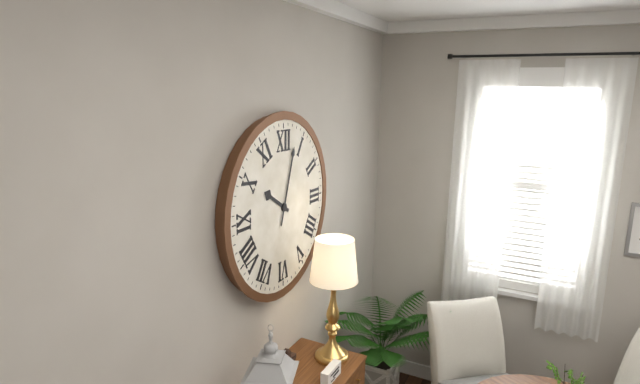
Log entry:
10 h 03 min
